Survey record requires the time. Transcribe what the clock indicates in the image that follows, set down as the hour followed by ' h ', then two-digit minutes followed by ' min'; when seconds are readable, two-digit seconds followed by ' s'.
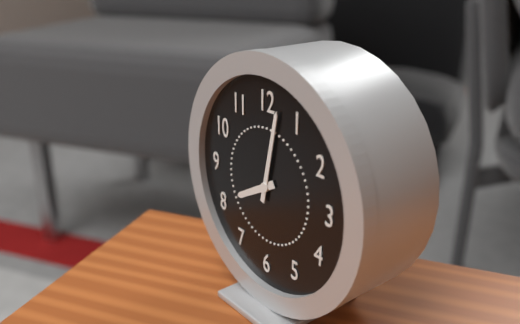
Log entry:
8 h 02 min
